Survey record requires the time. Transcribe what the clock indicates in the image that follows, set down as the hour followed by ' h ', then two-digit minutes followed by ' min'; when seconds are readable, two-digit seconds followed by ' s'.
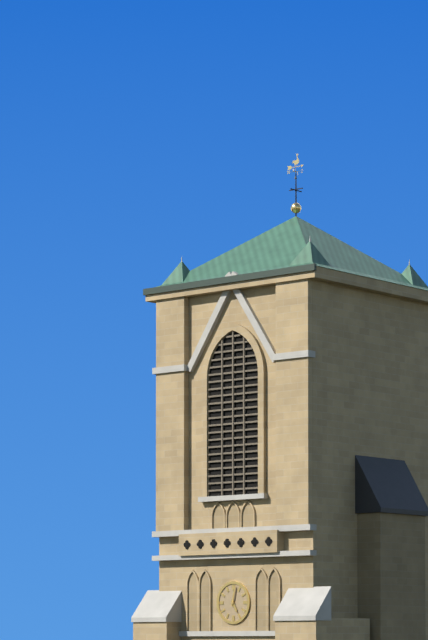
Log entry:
5 h 02 min
